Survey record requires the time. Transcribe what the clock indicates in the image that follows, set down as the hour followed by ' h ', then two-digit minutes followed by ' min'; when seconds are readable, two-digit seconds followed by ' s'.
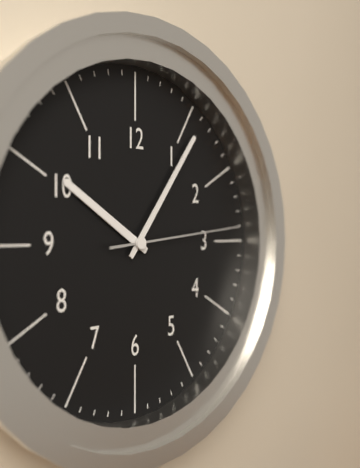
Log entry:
10 h 06 min 14 s
